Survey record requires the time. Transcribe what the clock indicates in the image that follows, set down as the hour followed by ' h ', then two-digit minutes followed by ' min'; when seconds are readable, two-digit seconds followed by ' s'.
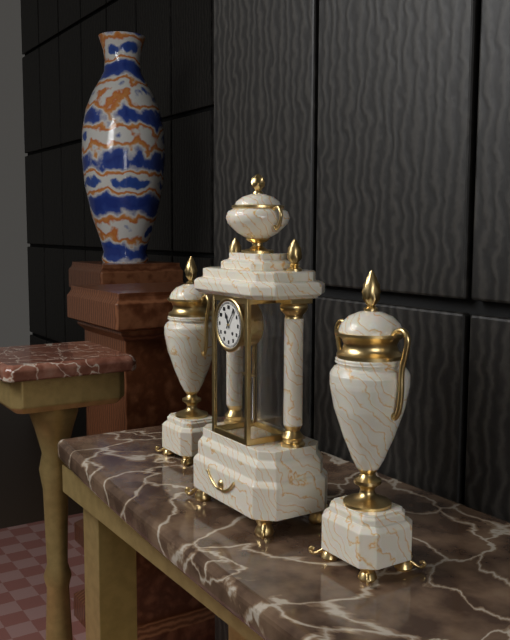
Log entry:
11 h 06 min
